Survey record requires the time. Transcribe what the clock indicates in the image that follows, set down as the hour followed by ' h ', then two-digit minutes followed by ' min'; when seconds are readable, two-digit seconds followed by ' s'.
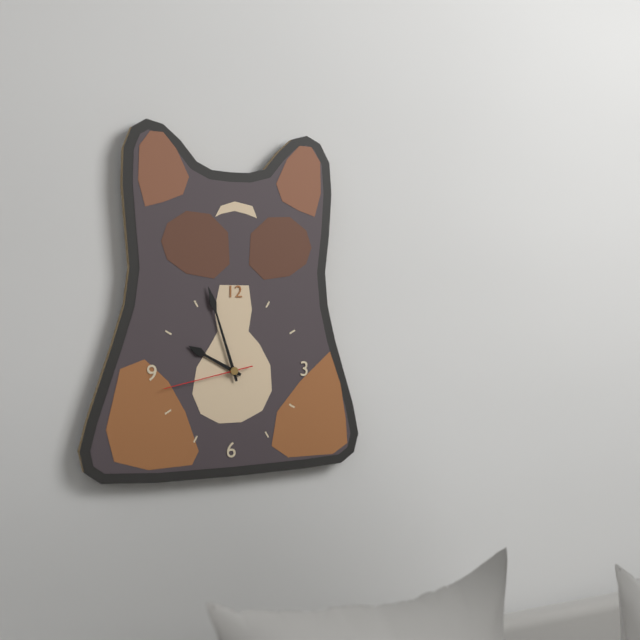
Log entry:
9 h 57 min 43 s
